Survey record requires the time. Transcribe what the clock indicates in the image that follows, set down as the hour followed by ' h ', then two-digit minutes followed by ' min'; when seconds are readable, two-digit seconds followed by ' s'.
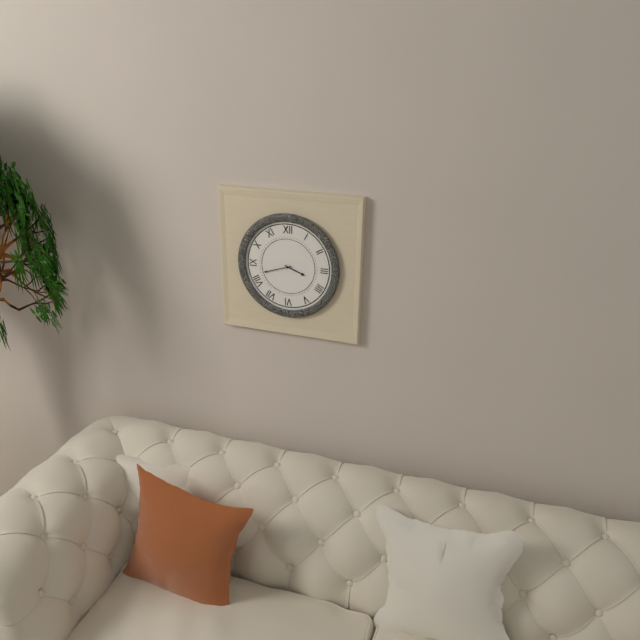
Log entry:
3 h 42 min
